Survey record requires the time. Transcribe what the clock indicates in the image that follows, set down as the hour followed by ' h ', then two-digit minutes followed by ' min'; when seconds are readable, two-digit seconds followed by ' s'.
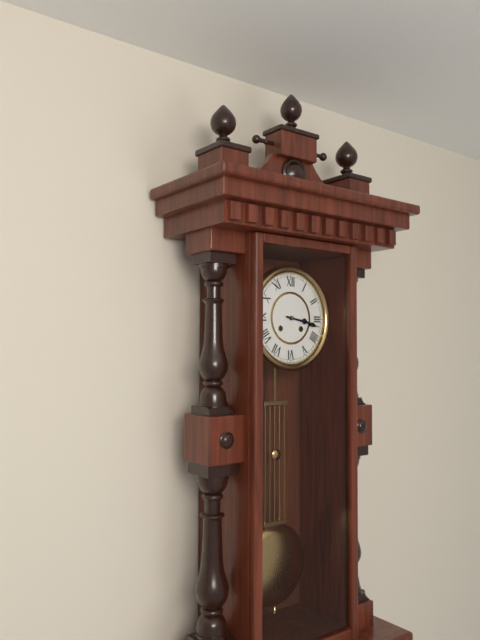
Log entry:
3 h 17 min
